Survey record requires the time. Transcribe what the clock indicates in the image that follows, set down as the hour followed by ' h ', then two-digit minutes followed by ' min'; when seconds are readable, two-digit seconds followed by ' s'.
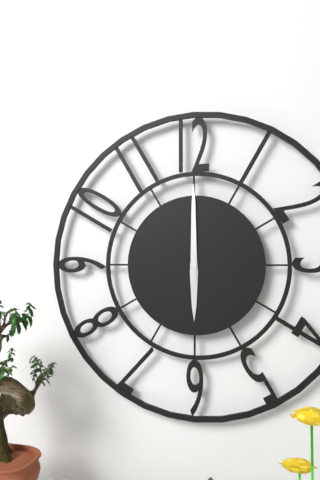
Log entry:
6 h 00 min
